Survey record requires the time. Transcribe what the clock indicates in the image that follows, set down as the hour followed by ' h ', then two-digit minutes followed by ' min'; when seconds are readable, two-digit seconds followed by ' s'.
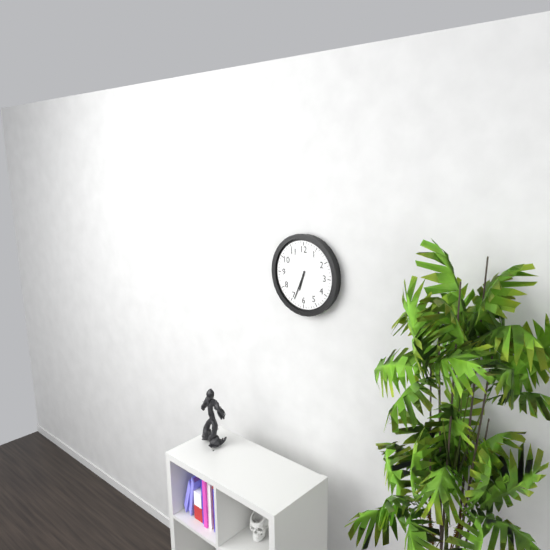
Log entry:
6 h 34 min
